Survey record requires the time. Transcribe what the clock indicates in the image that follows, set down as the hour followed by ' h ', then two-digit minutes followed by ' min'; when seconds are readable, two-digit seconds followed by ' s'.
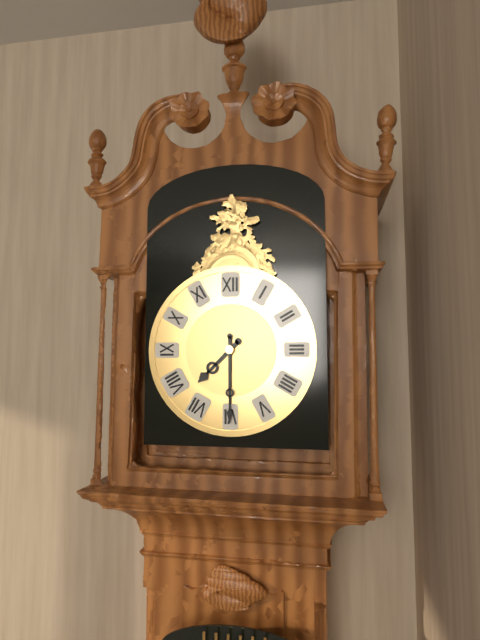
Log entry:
7 h 30 min
